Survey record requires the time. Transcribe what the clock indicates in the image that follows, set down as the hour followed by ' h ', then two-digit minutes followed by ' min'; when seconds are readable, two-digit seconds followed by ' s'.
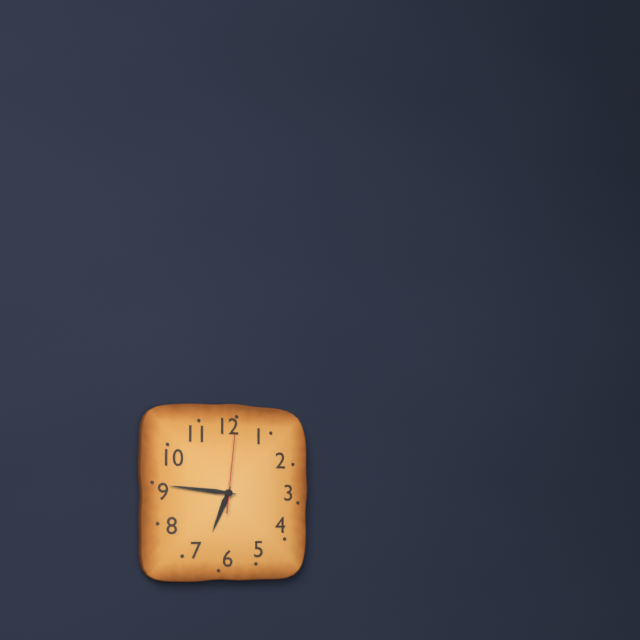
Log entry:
6 h 46 min 01 s
